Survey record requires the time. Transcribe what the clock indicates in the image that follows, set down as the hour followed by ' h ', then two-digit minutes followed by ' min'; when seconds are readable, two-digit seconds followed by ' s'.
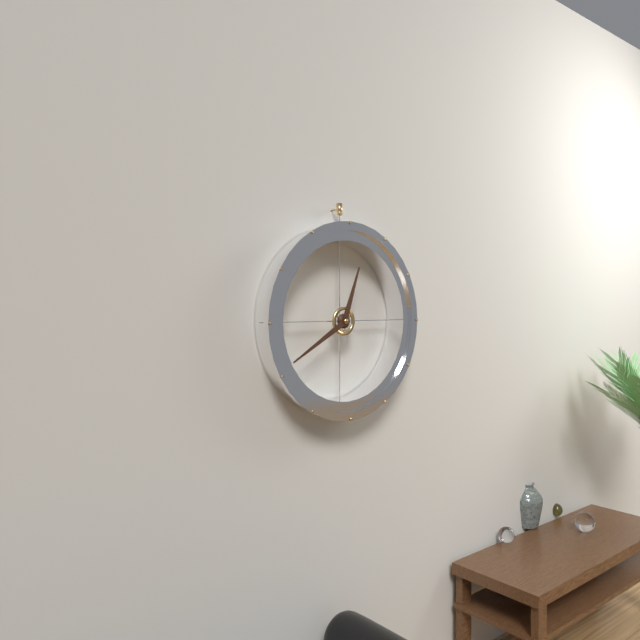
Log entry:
12 h 40 min
